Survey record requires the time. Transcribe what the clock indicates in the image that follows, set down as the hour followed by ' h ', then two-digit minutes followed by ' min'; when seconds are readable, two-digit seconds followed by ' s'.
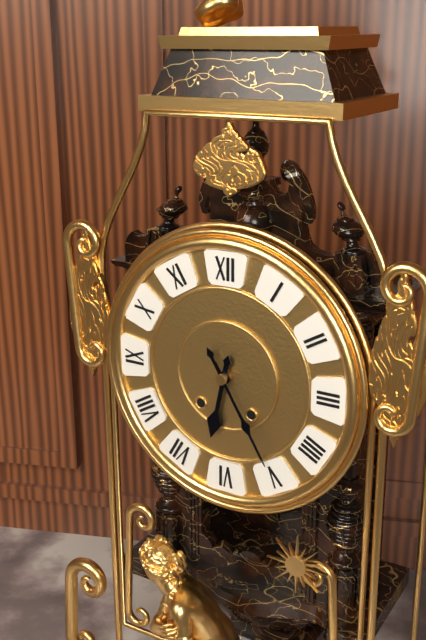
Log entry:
6 h 25 min
